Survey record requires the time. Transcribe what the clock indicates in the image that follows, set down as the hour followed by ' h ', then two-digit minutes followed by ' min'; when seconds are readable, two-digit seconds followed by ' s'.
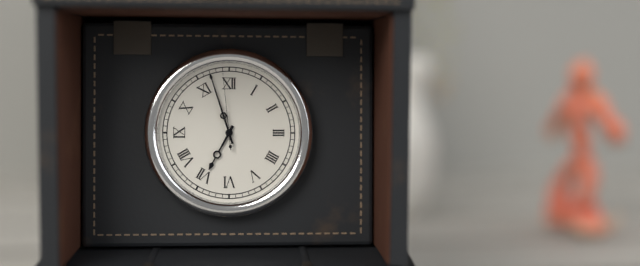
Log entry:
6 h 57 min 59 s
